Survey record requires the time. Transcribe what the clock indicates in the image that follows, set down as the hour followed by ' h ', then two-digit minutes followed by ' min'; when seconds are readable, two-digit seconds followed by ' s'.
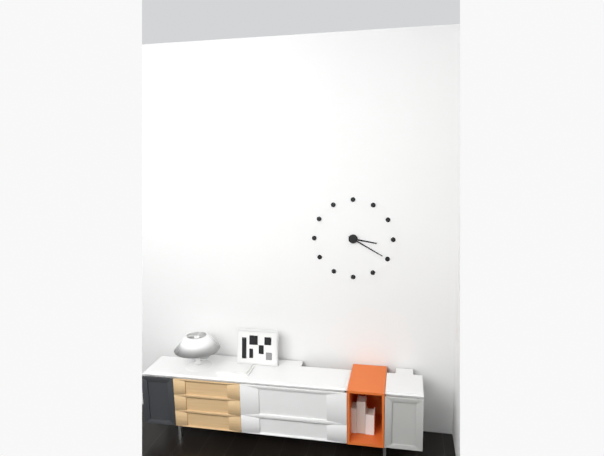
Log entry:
3 h 20 min
